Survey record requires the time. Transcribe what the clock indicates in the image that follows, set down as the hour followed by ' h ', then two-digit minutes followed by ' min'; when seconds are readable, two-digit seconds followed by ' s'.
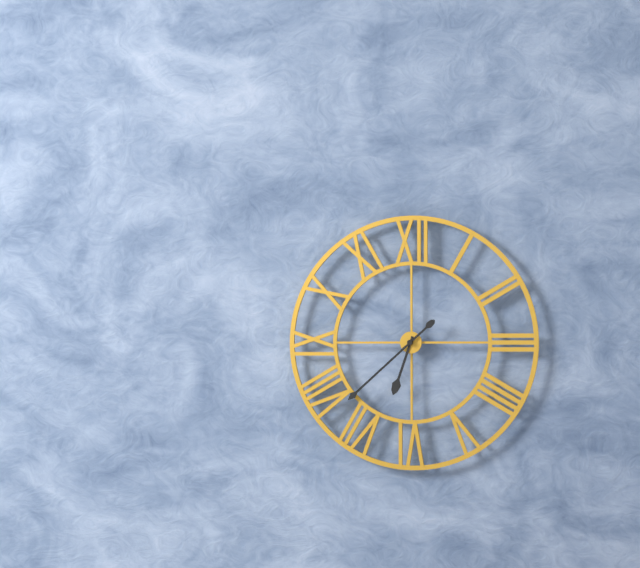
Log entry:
6 h 38 min
